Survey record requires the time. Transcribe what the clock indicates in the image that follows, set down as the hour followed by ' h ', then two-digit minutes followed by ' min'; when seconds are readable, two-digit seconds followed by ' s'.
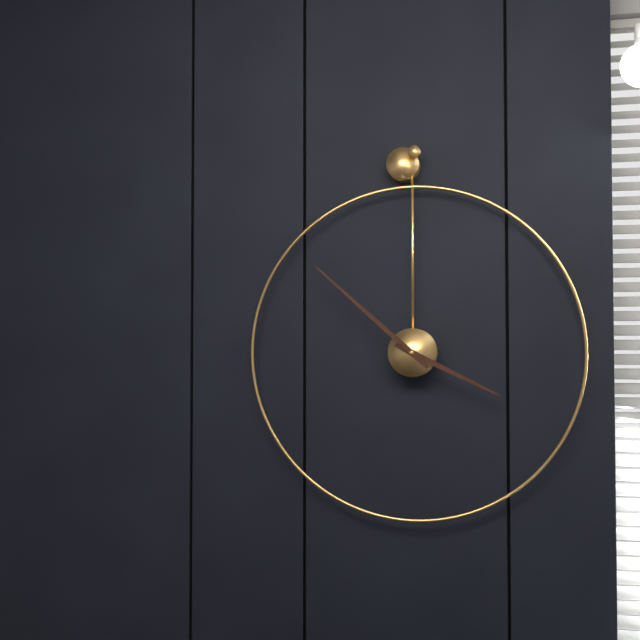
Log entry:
3 h 52 min
